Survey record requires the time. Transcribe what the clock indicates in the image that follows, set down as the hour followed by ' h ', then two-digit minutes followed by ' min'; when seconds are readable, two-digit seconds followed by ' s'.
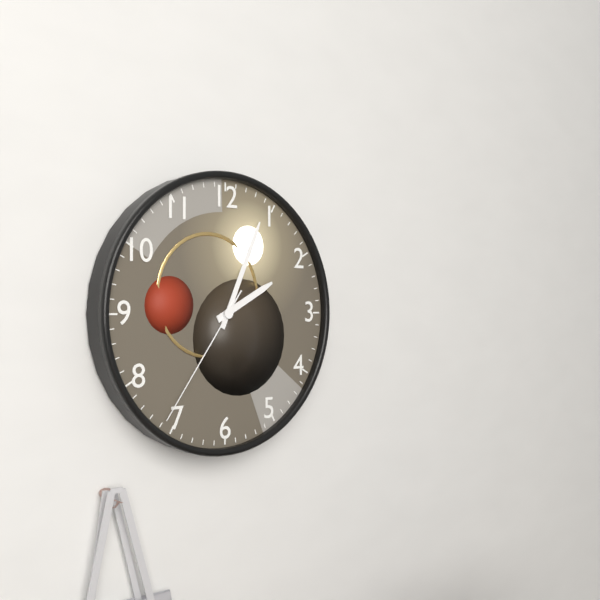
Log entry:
2 h 04 min 36 s
